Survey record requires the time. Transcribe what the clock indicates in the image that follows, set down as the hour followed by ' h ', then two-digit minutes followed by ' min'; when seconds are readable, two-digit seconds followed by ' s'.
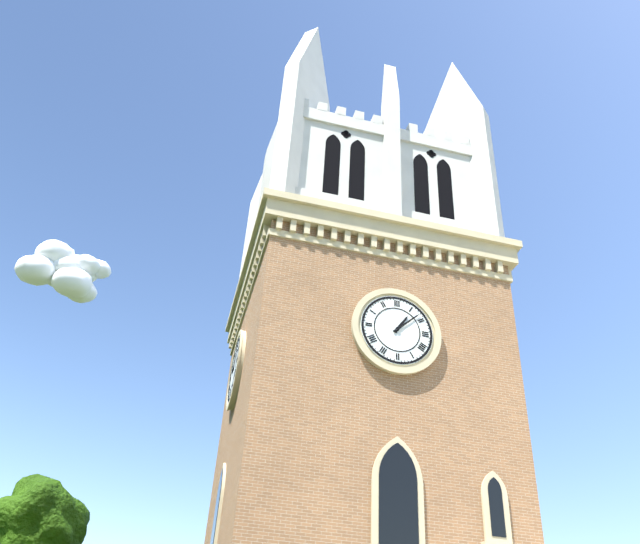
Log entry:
1 h 08 min
